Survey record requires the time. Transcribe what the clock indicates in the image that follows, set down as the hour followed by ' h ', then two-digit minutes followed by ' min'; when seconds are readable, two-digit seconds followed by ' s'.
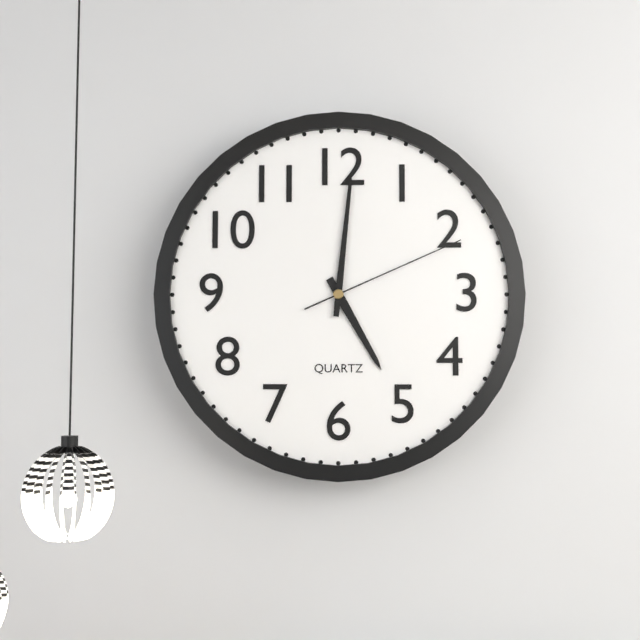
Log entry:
5 h 01 min 11 s
